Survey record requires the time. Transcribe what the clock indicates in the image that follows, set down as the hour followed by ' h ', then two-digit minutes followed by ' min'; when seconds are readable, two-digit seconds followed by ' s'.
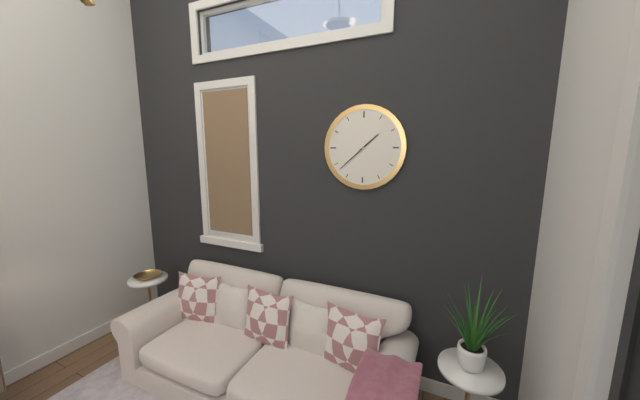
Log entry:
1 h 38 min
